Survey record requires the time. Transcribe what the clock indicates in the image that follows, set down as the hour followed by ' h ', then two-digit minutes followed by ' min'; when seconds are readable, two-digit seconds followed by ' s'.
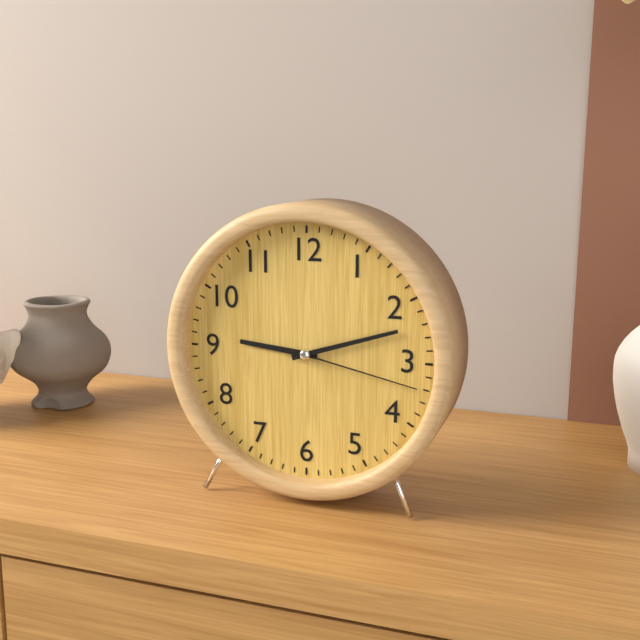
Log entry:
9 h 12 min 17 s
